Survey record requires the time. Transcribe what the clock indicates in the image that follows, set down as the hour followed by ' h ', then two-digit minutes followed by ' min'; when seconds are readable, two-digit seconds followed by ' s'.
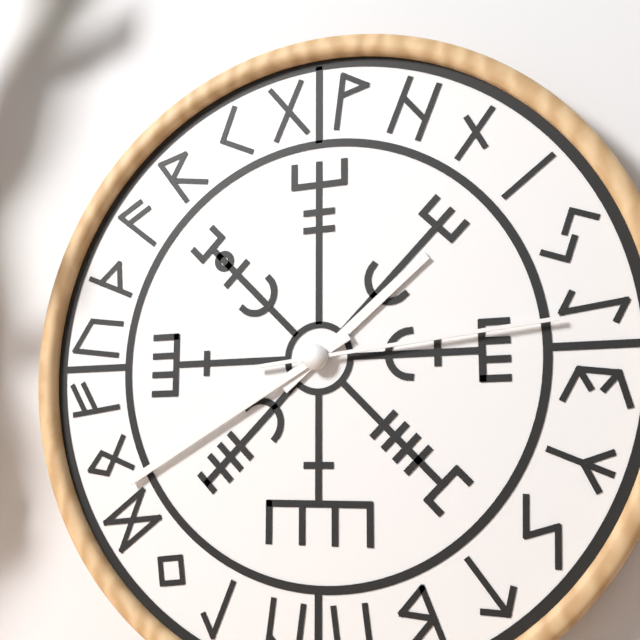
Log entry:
1 h 40 min 14 s
